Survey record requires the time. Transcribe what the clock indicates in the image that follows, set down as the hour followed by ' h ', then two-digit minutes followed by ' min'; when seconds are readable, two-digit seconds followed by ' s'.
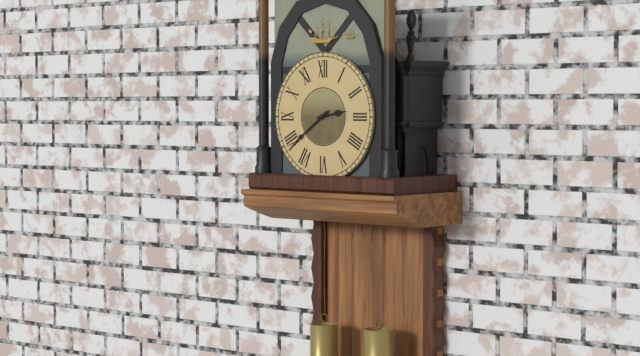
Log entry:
2 h 39 min
